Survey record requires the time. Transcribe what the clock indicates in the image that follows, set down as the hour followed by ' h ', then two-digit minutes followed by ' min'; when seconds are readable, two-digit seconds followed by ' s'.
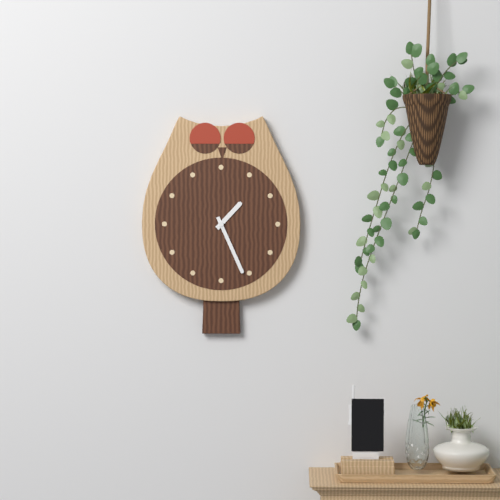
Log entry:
1 h 26 min
